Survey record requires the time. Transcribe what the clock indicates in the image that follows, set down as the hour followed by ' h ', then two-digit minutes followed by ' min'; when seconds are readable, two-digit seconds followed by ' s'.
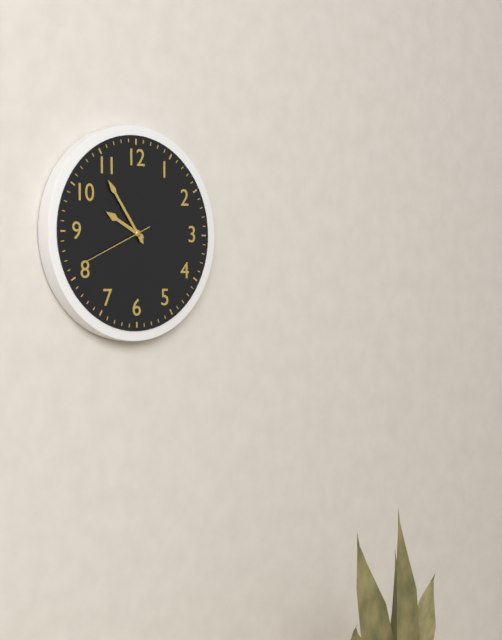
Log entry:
9 h 54 min 41 s
